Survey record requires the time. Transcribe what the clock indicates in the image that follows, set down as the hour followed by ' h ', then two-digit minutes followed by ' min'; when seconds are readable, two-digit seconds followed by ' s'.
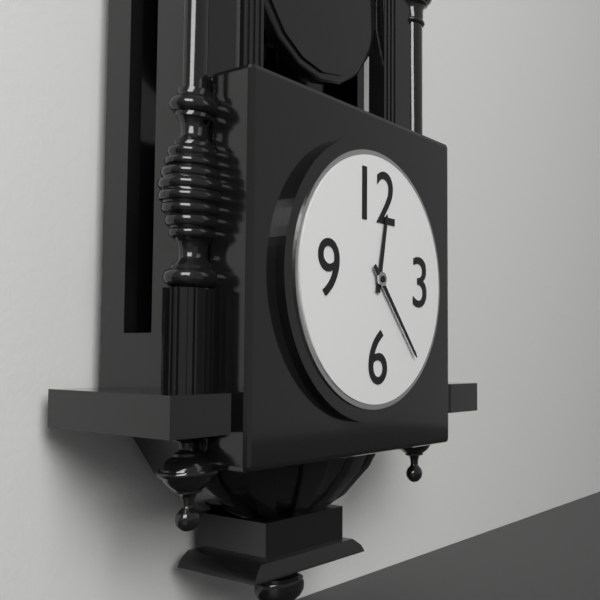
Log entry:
12 h 23 min
